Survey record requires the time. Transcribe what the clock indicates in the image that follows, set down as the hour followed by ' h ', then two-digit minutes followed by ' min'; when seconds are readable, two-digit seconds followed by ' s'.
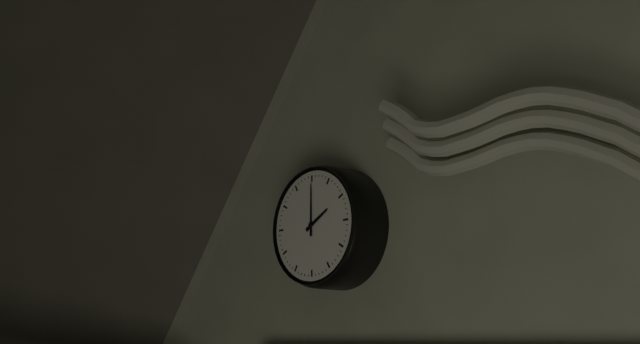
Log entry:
2 h 00 min
